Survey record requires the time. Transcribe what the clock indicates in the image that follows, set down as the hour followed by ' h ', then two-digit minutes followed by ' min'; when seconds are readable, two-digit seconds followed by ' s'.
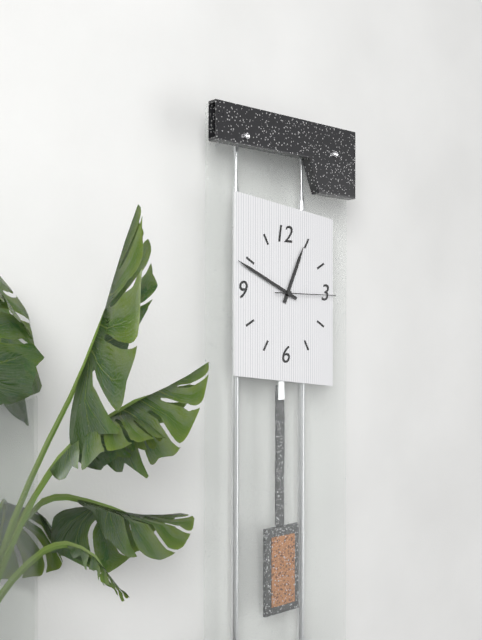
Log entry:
12 h 49 min 15 s
